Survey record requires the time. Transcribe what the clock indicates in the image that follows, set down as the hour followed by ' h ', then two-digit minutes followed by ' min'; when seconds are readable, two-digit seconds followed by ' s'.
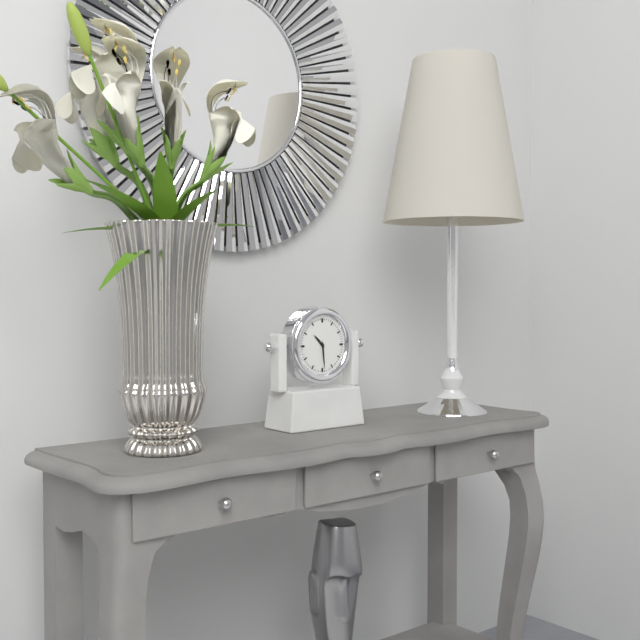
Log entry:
10 h 29 min
